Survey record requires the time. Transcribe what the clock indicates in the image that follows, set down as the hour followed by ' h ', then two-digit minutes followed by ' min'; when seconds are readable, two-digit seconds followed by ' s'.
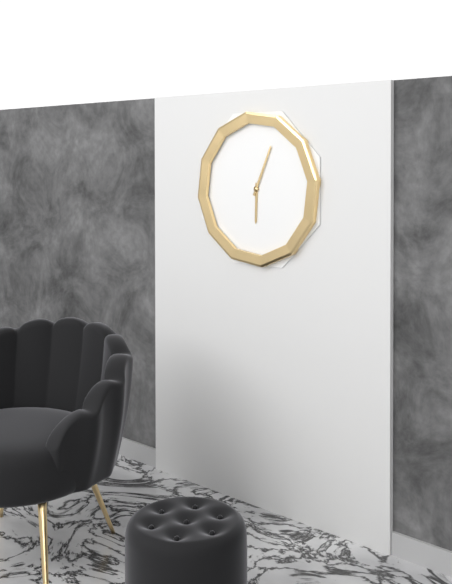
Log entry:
6 h 04 min
